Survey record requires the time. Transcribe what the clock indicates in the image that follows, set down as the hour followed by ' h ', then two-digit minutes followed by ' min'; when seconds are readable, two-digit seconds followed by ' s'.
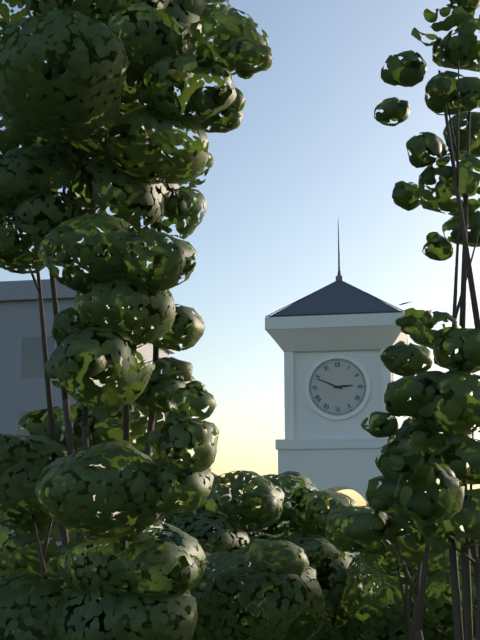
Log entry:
2 h 49 min
